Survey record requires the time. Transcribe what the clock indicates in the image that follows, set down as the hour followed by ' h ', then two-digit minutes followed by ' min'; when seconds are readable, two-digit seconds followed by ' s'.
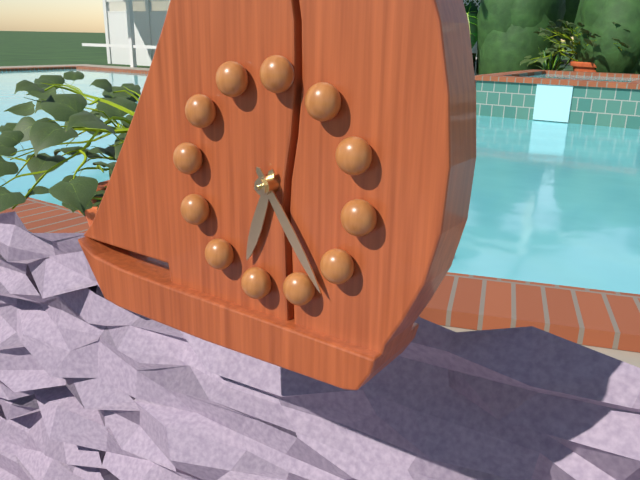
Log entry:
6 h 23 min
